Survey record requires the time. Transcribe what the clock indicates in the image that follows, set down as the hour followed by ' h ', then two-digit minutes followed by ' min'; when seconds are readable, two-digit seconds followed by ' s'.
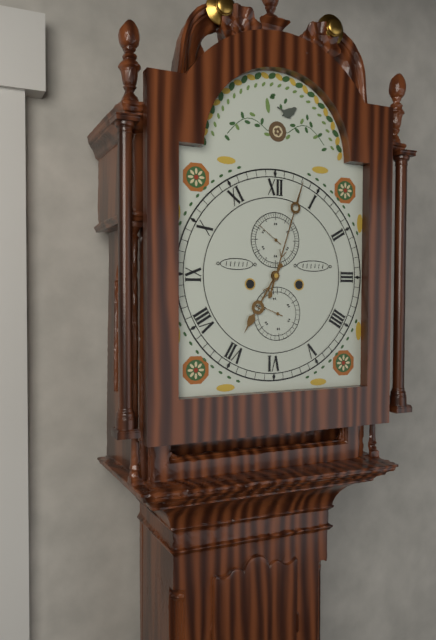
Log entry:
7 h 03 min
